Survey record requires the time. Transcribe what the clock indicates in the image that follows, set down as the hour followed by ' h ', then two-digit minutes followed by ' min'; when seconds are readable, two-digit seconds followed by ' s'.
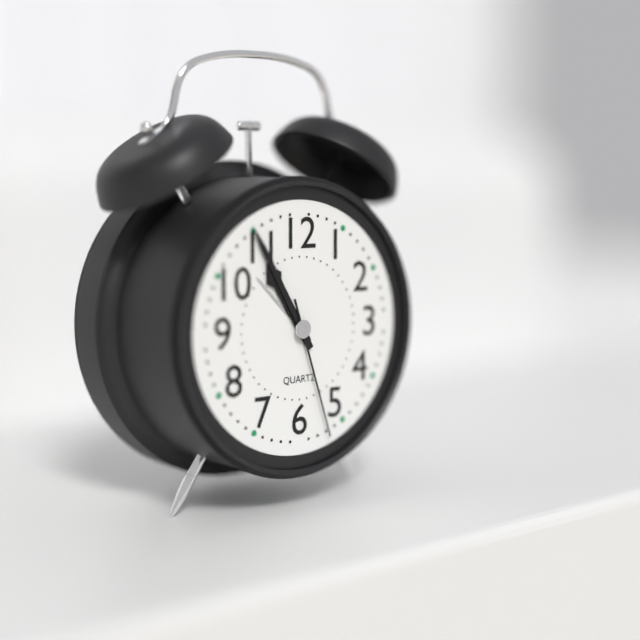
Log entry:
10 h 55 min 27 s
